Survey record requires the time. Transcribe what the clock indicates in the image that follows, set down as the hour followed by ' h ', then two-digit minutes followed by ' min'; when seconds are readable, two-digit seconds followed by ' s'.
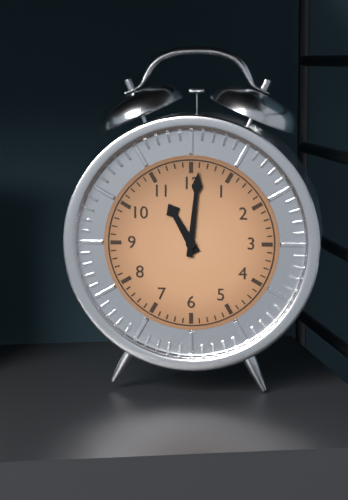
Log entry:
11 h 01 min
